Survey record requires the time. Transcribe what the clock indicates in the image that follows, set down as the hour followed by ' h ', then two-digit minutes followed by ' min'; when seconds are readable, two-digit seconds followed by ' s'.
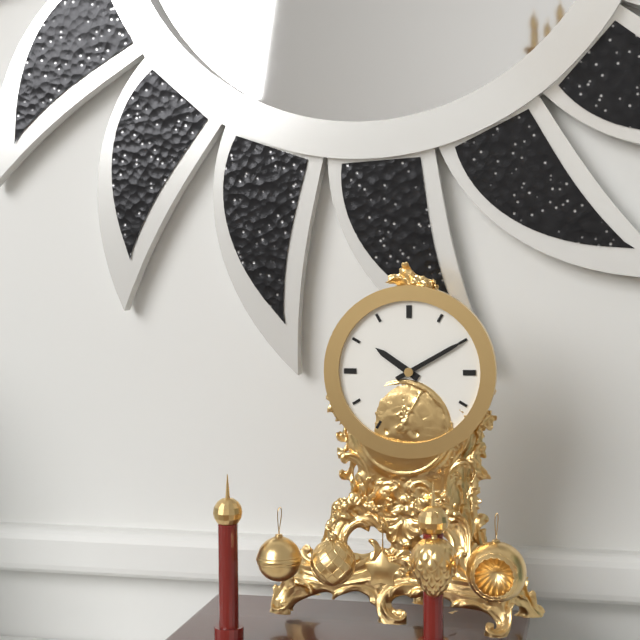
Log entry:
10 h 10 min
